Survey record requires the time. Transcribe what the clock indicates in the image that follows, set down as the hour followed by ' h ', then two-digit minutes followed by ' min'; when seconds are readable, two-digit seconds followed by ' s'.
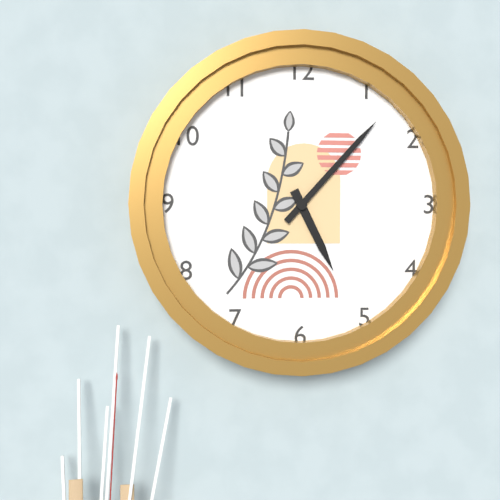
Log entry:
5 h 07 min
